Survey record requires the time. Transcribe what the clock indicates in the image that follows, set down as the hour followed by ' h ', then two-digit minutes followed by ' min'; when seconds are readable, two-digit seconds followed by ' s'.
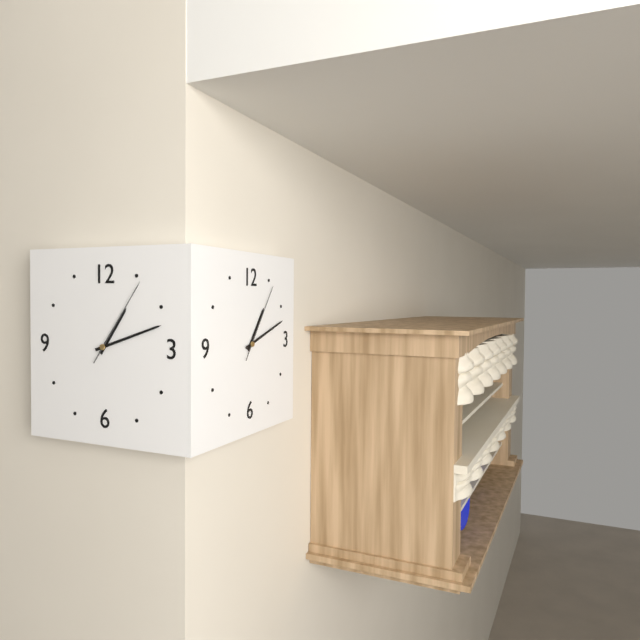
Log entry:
1 h 12 min 06 s
